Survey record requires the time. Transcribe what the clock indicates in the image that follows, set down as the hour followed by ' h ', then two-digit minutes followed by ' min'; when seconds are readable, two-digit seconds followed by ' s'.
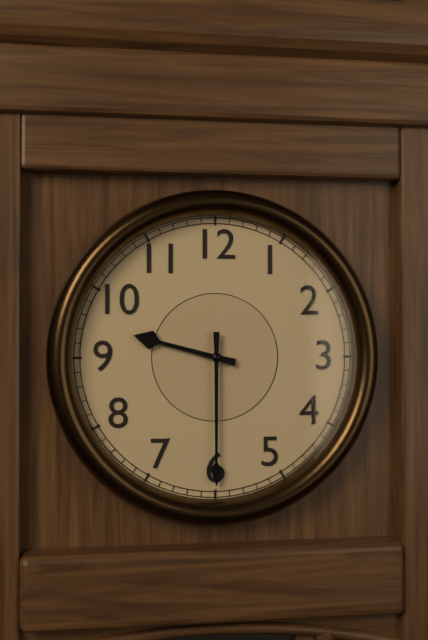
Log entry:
9 h 30 min
